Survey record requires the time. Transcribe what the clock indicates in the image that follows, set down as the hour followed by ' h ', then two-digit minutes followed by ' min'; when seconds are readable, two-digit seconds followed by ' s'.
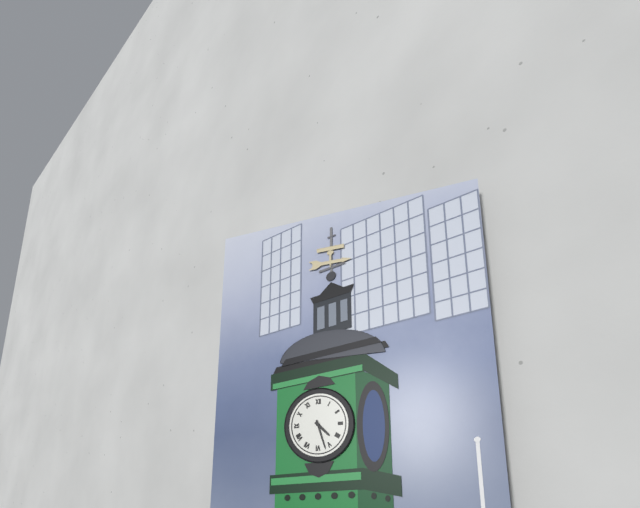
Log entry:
4 h 27 min
